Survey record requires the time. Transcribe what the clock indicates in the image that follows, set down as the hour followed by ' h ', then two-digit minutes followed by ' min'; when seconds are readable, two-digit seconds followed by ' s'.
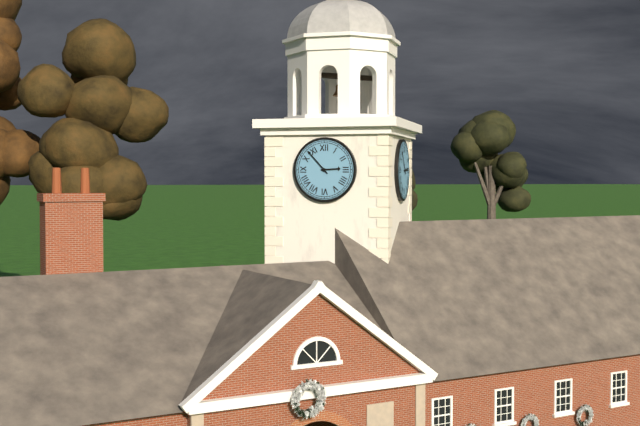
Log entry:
2 h 53 min
